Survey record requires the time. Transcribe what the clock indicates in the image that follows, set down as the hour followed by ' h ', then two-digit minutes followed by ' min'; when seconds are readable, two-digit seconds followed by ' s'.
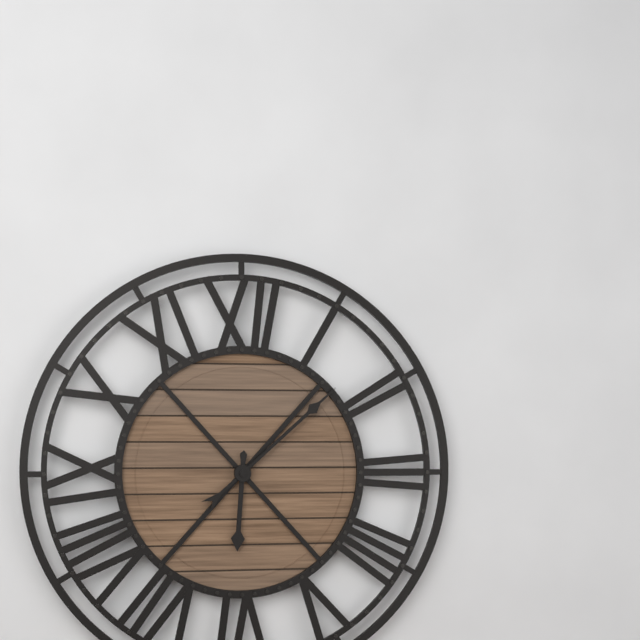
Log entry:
6 h 08 min
